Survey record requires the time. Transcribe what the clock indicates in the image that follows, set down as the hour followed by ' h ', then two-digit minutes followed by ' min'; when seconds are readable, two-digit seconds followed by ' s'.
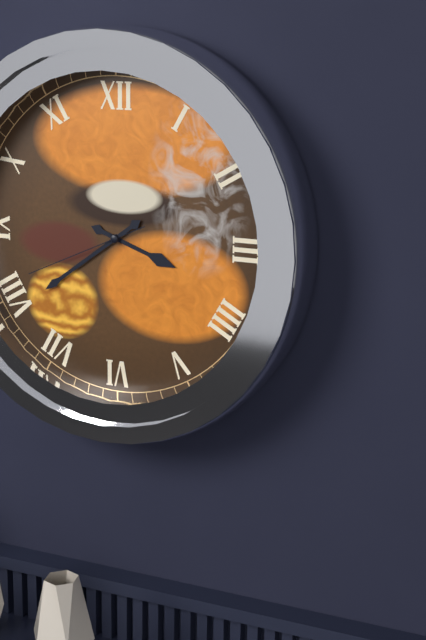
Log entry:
3 h 39 min 41 s
